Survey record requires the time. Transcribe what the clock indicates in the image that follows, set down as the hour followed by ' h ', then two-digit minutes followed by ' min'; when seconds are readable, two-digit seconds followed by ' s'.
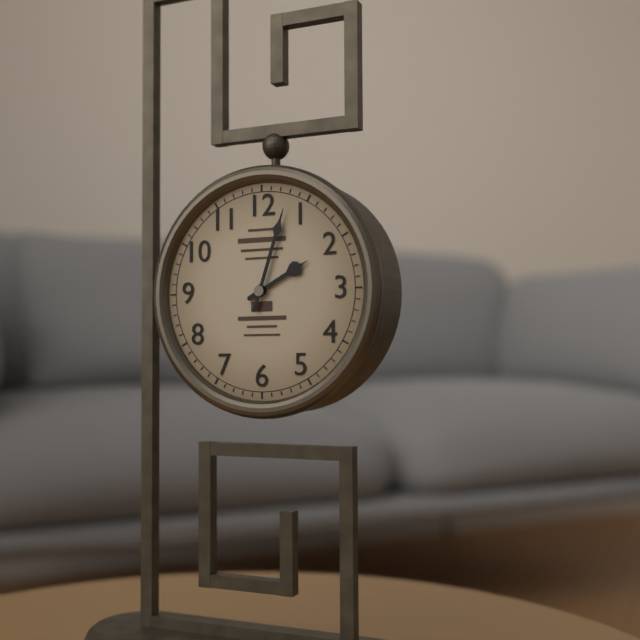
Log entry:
2 h 03 min
